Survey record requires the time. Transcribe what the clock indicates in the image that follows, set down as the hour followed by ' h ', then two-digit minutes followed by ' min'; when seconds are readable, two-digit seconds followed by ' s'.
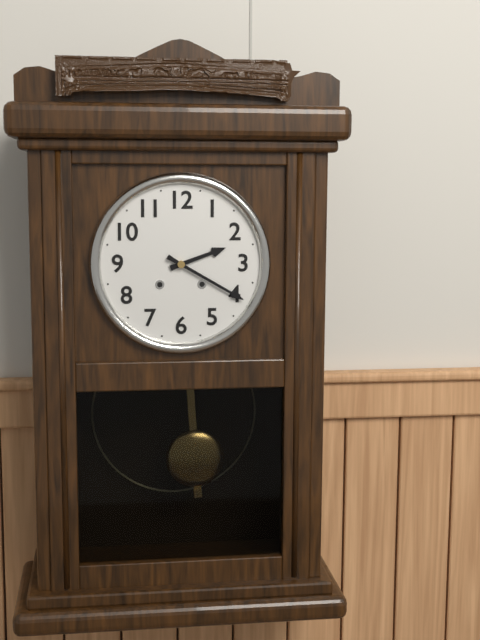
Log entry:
2 h 20 min
